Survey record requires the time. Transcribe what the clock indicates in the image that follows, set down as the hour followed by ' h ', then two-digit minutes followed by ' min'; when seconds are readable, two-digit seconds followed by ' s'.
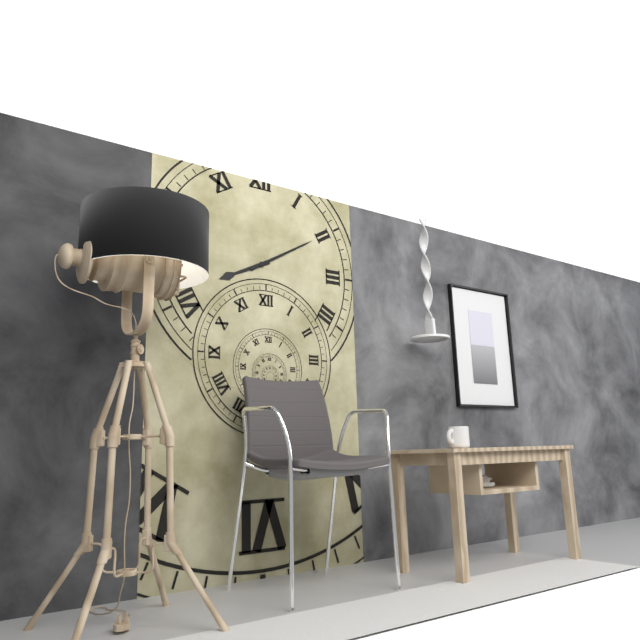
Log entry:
8 h 10 min
